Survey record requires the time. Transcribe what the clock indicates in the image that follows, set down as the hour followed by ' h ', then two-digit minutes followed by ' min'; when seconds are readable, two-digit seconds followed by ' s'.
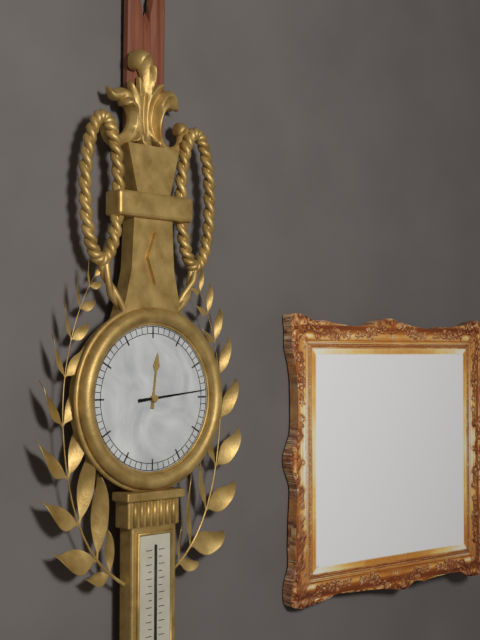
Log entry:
12 h 14 min
